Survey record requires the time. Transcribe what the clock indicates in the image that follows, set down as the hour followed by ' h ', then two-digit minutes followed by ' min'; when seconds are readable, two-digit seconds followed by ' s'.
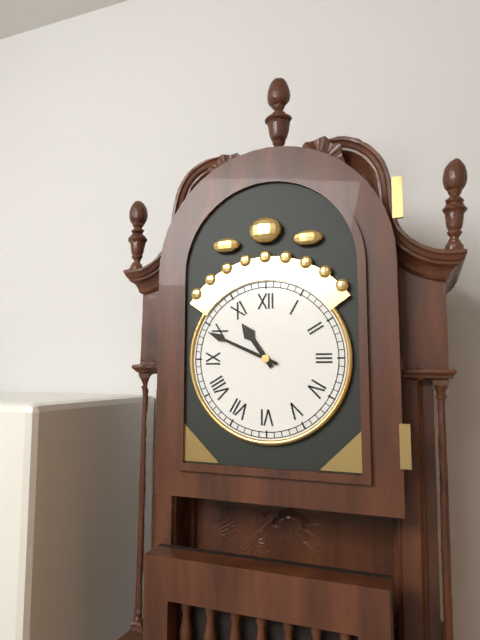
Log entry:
10 h 49 min
